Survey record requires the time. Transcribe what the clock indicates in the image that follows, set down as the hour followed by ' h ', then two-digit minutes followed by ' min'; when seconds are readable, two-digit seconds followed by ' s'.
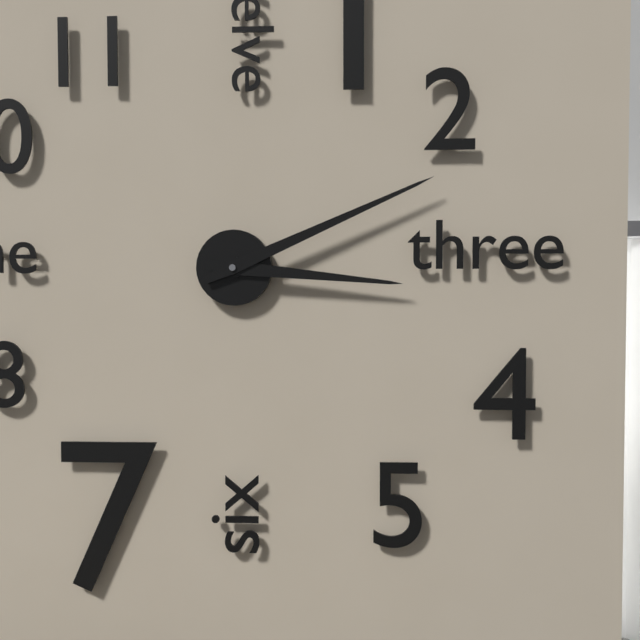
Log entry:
3 h 11 min
